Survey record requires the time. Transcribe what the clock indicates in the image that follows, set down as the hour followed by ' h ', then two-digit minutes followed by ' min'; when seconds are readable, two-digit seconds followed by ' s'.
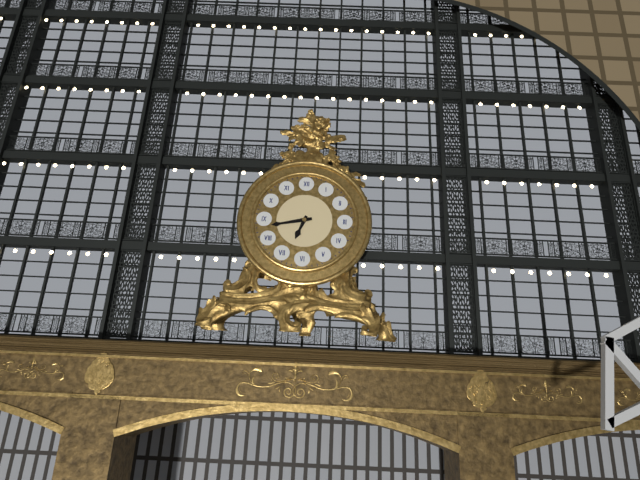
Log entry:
6 h 43 min
